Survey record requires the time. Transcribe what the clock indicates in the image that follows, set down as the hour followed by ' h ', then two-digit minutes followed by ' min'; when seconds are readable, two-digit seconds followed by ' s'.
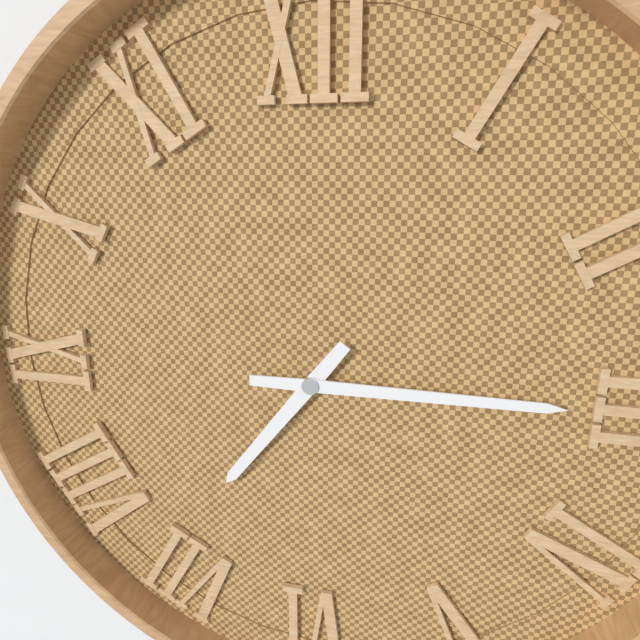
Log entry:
7 h 15 min
